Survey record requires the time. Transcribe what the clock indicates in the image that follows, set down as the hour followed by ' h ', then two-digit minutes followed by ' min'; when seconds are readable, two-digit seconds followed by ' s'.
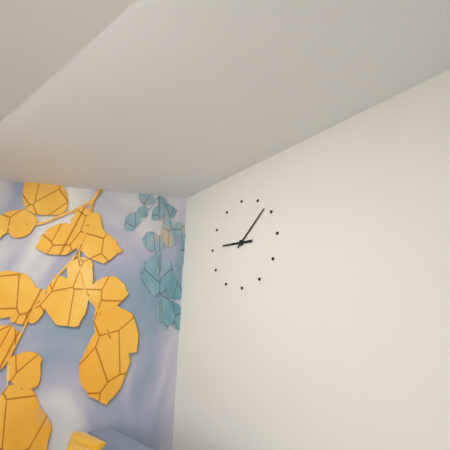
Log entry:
9 h 08 min
